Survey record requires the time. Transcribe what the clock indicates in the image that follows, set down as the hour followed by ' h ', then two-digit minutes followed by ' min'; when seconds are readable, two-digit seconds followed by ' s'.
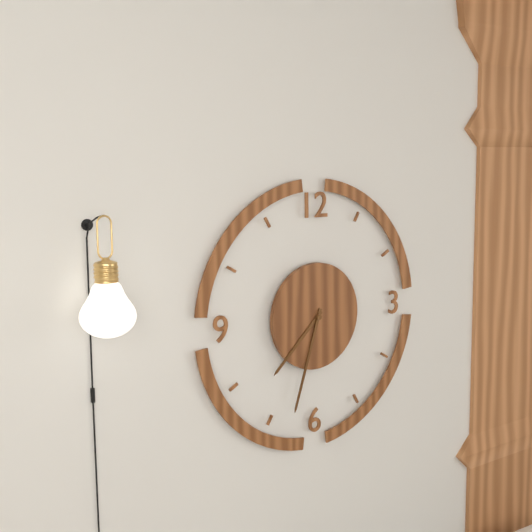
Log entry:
7 h 33 min
